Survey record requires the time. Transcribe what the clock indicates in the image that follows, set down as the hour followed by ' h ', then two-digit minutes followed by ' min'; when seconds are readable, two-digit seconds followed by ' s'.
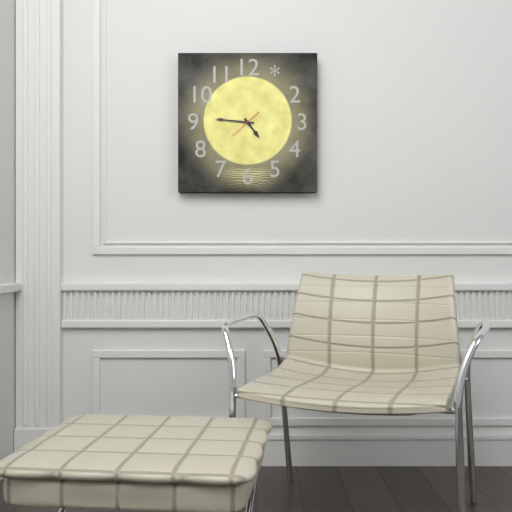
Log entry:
4 h 46 min
